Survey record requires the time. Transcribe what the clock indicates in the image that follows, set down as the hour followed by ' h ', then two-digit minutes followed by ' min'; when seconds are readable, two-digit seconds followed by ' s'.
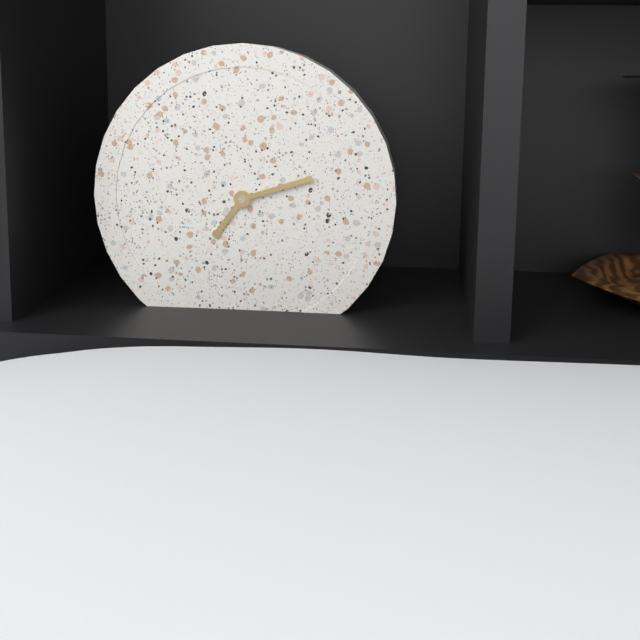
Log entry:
7 h 12 min
